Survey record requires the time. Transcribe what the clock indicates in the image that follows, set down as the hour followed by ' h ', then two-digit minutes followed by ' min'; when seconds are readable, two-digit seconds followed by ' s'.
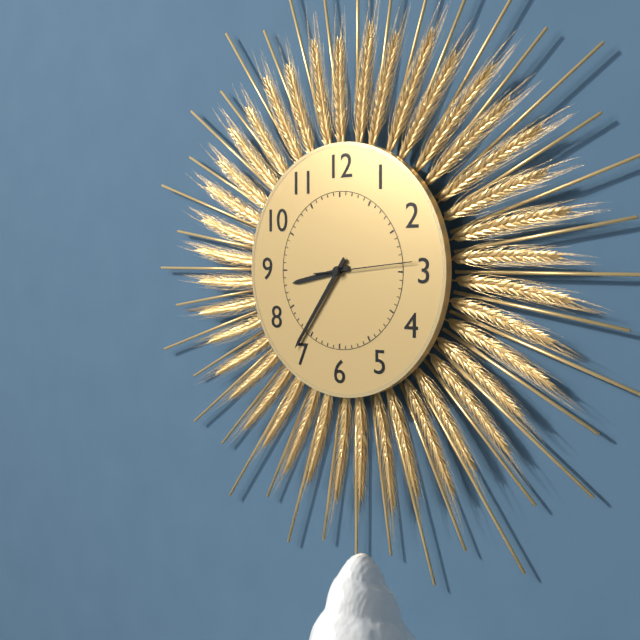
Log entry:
8 h 36 min 14 s
